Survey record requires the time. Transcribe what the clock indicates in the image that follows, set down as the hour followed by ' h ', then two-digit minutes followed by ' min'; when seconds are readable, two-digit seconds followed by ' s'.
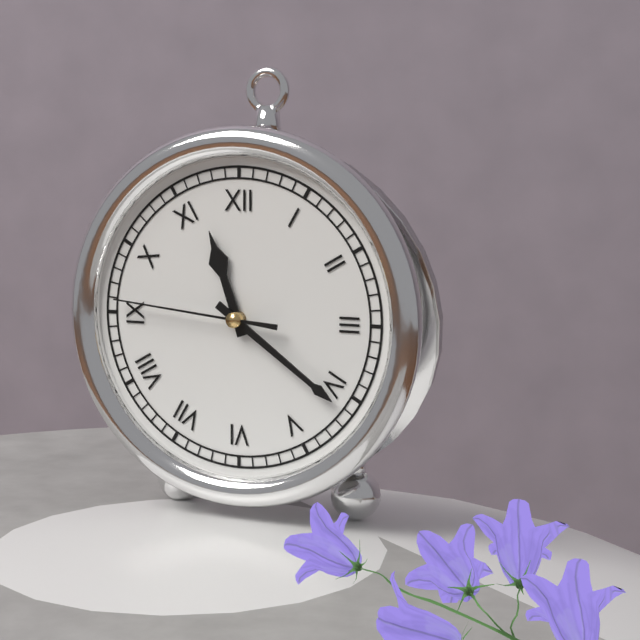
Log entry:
11 h 21 min 46 s
